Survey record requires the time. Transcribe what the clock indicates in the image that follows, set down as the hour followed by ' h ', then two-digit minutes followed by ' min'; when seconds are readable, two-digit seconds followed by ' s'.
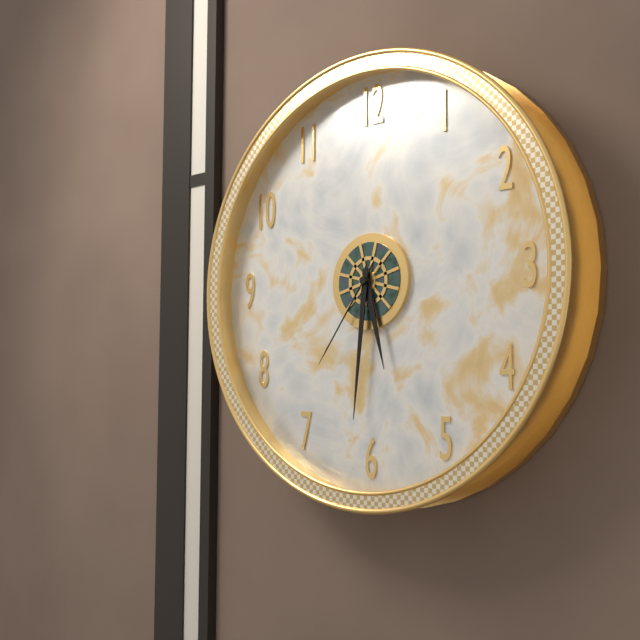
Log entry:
5 h 31 min 36 s
